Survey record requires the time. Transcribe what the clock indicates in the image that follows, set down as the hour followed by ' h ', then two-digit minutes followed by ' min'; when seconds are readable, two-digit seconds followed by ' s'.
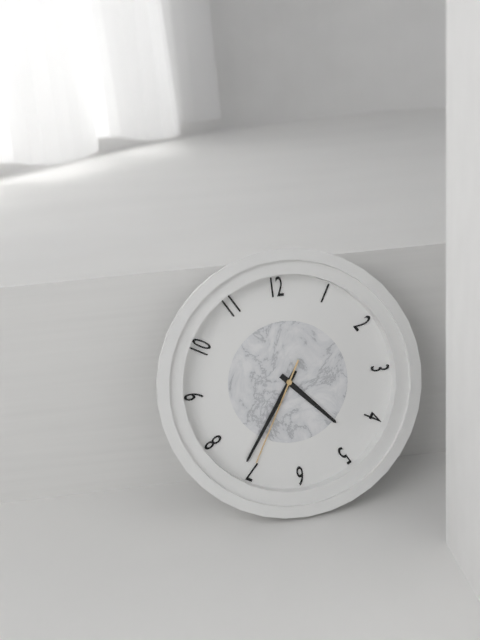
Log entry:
4 h 36 min 35 s
